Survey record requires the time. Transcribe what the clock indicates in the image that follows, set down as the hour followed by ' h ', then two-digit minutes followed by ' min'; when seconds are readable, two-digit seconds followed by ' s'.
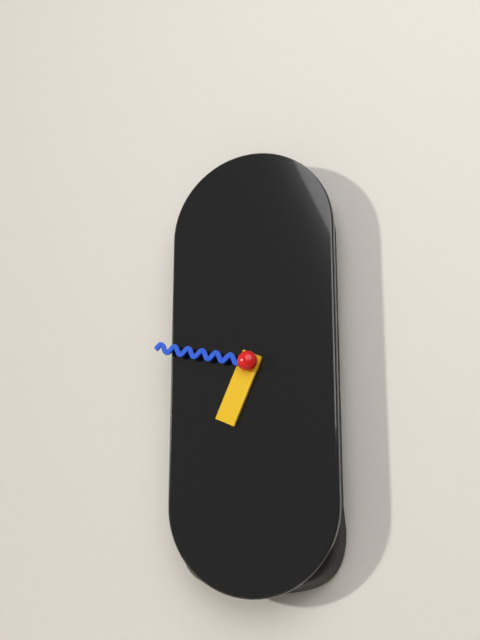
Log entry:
6 h 47 min
